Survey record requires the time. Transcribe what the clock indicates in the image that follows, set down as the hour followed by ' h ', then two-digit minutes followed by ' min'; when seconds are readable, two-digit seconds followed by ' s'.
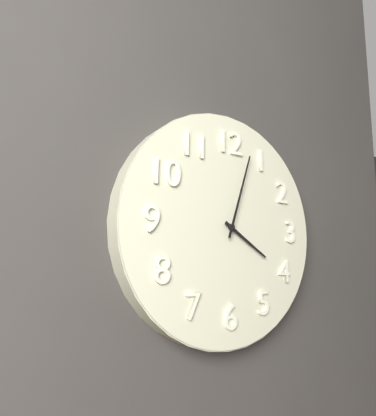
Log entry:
4 h 03 min
